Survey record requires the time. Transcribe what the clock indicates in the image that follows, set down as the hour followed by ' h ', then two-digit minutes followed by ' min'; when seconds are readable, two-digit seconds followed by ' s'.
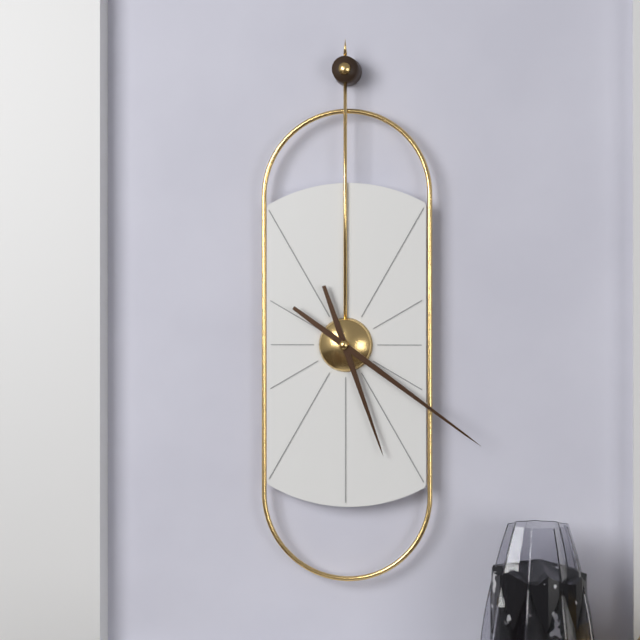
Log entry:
5 h 21 min
